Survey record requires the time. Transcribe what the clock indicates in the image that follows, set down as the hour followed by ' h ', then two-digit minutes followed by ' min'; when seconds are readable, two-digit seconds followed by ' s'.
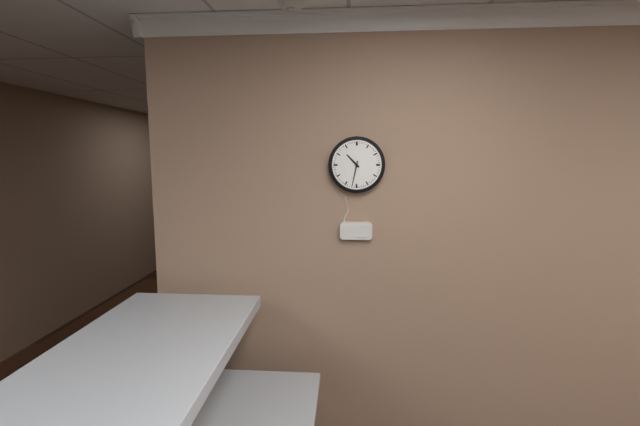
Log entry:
10 h 32 min
